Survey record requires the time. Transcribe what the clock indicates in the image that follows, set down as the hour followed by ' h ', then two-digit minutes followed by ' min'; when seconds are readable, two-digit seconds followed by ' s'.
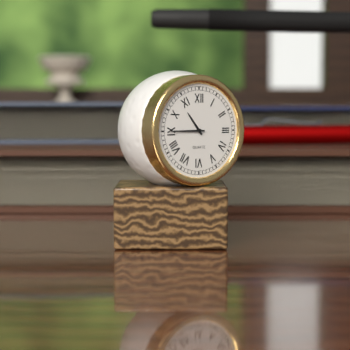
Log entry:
10 h 45 min
